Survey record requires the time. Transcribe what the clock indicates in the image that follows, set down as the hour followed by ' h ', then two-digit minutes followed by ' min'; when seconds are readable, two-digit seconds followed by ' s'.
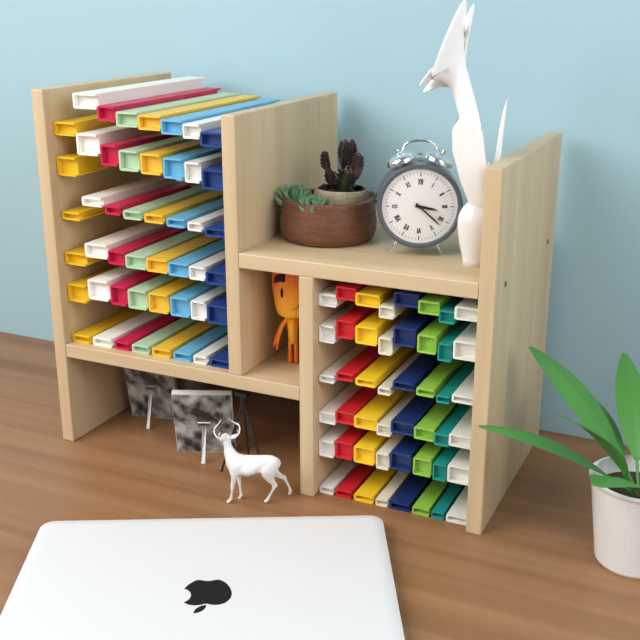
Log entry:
3 h 22 min
